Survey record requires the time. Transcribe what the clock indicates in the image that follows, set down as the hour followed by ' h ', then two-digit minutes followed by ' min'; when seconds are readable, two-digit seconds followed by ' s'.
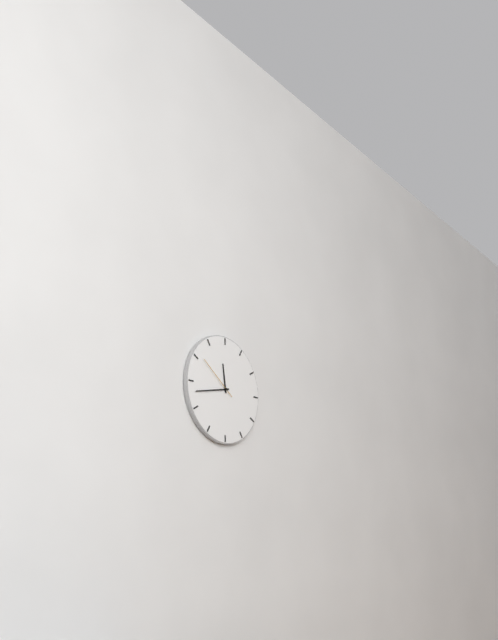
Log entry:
11 h 43 min
